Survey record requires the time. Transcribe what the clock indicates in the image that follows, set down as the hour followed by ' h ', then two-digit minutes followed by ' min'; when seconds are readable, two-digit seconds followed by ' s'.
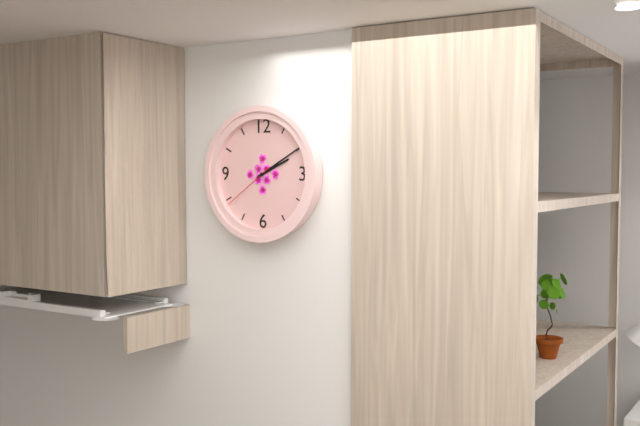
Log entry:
2 h 10 min 39 s
